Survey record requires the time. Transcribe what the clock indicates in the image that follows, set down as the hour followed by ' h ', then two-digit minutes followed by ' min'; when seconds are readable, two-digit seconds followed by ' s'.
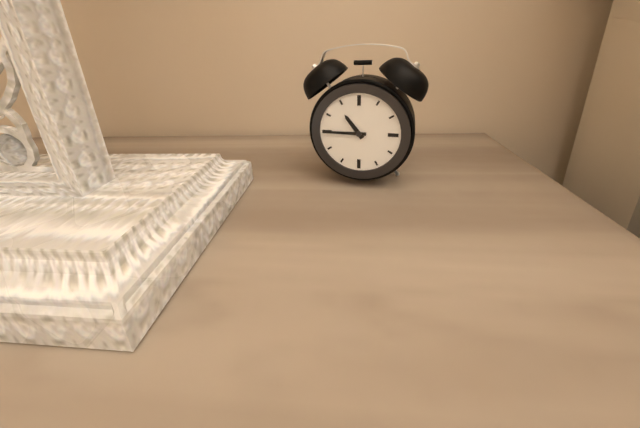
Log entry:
10 h 45 min
